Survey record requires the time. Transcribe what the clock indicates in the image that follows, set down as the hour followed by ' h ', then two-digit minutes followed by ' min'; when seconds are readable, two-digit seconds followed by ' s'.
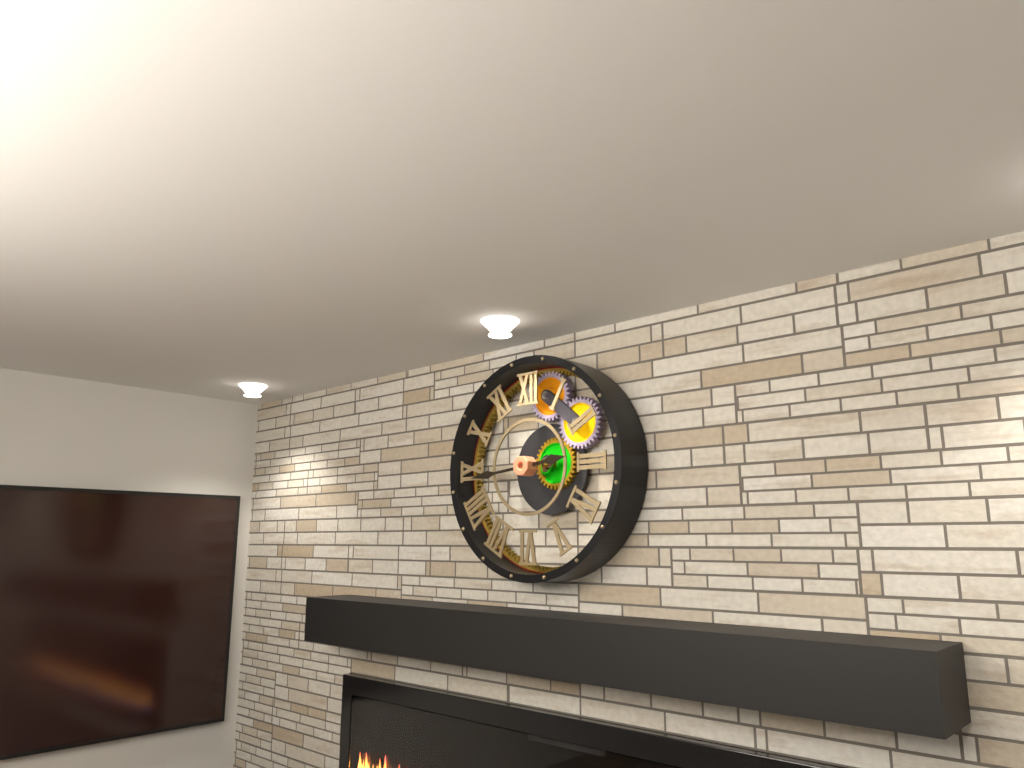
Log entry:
2 h 44 min
